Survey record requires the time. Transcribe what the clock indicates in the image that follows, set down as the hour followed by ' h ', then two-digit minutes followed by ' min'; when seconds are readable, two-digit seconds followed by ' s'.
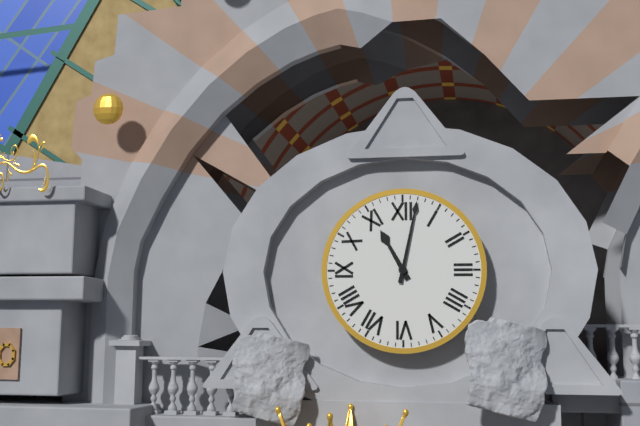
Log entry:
11 h 02 min
